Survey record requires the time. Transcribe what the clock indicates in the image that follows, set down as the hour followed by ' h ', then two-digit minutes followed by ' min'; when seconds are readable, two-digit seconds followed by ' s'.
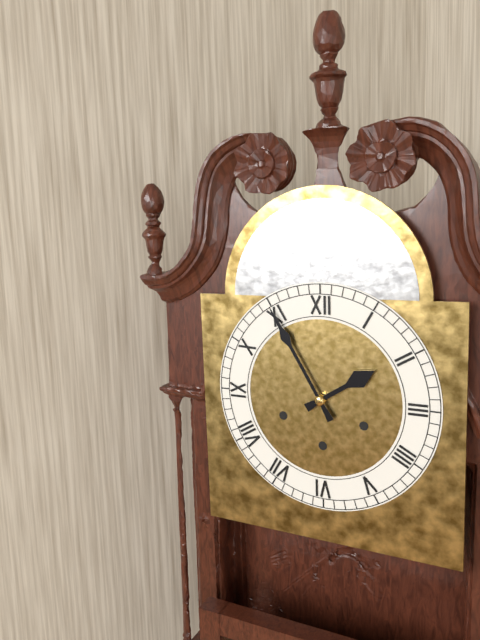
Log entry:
1 h 55 min
